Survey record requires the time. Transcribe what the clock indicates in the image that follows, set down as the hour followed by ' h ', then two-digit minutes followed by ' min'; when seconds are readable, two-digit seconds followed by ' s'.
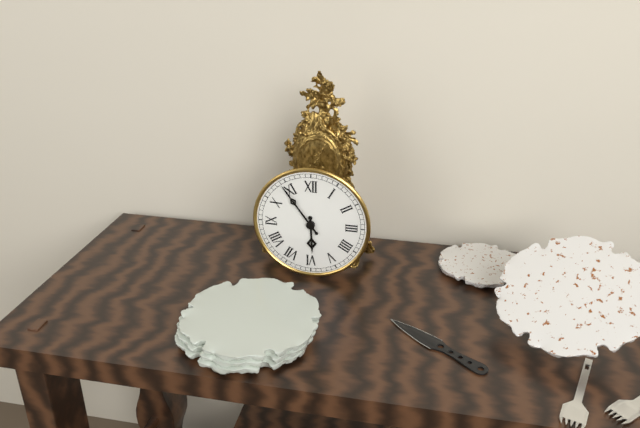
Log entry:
5 h 54 min
